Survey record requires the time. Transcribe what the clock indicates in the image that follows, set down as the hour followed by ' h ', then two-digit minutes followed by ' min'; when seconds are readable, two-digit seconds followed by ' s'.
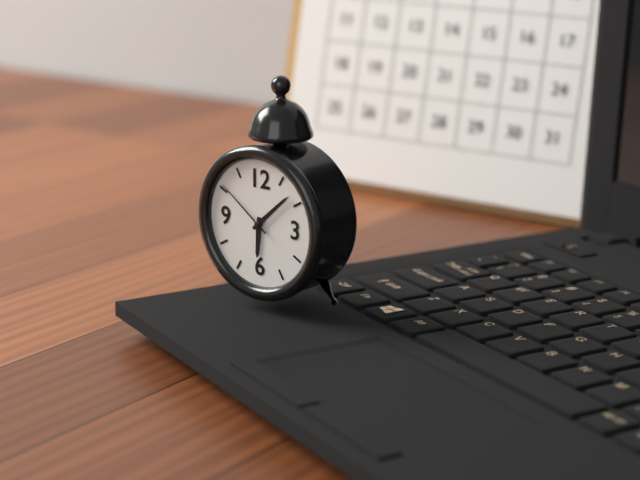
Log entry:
6 h 08 min 51 s
